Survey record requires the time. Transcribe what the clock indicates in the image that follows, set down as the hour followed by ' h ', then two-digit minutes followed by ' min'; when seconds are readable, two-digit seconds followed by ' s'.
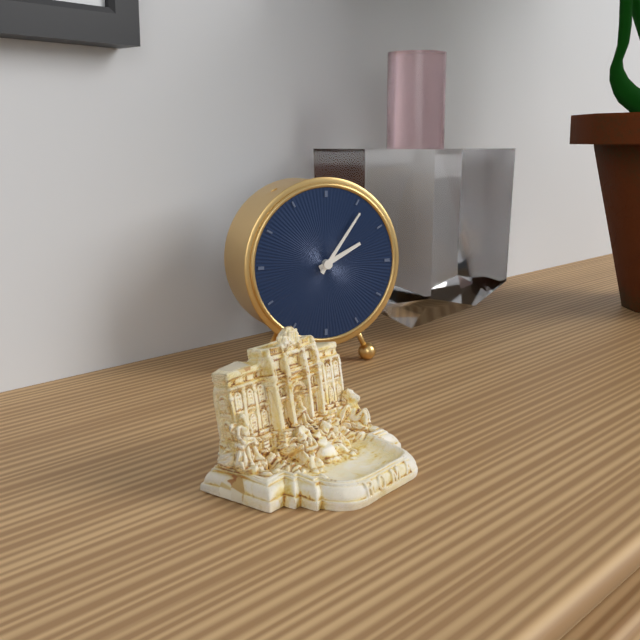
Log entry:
2 h 06 min
